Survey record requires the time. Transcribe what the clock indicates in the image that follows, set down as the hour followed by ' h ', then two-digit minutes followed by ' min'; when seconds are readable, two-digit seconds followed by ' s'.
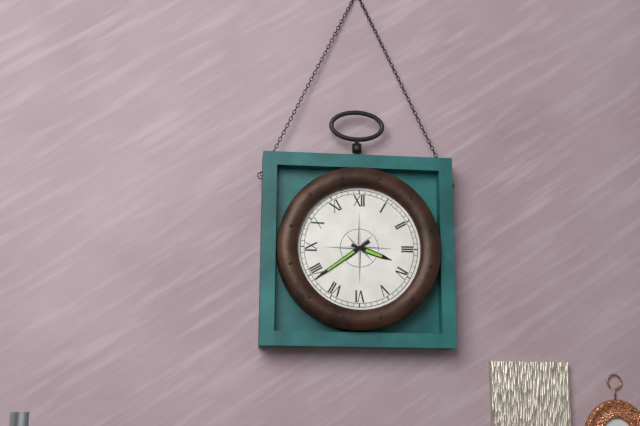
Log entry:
3 h 39 min
